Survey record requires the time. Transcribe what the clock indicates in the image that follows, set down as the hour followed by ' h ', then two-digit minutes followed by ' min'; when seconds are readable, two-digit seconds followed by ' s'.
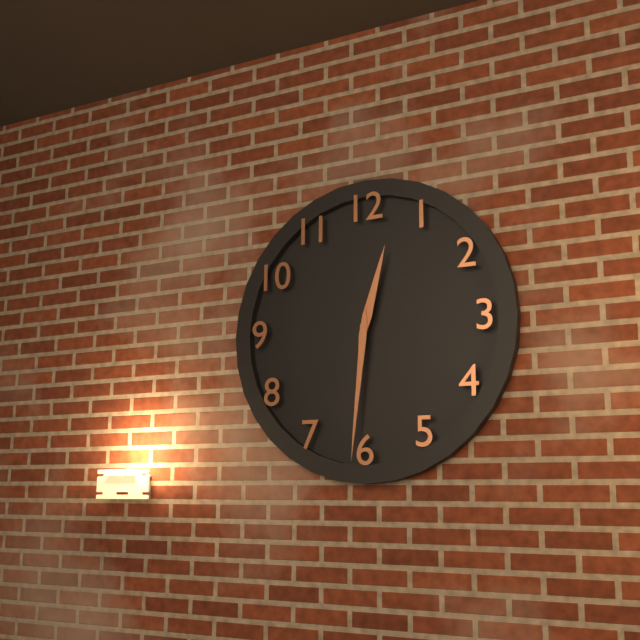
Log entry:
12 h 31 min
